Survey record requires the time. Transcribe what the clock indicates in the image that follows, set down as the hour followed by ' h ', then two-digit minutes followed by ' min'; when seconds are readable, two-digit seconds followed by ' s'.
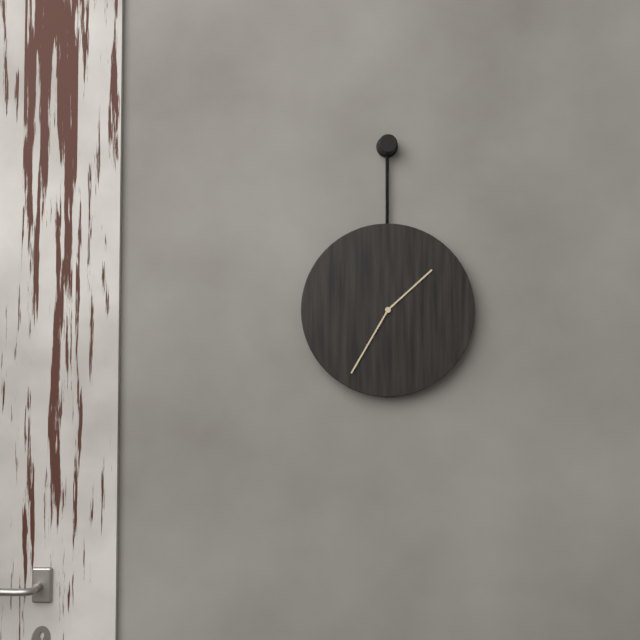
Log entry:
1 h 35 min
